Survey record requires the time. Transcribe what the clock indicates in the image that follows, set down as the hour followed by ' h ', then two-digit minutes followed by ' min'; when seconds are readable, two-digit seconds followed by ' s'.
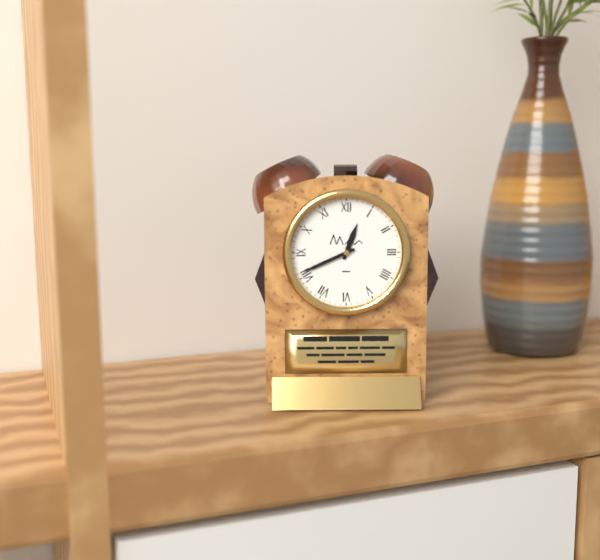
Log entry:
12 h 41 min
